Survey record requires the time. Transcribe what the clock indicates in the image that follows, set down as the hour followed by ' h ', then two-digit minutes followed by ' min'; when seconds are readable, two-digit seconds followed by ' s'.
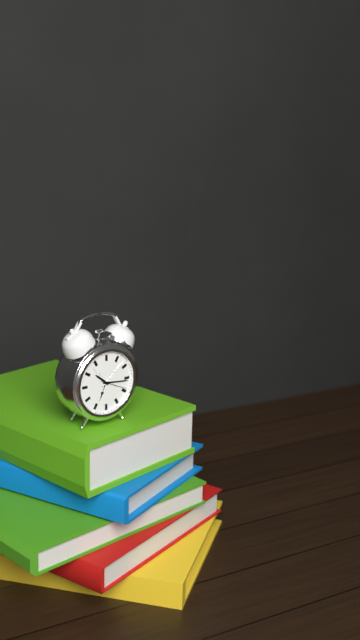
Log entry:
10 h 16 min
